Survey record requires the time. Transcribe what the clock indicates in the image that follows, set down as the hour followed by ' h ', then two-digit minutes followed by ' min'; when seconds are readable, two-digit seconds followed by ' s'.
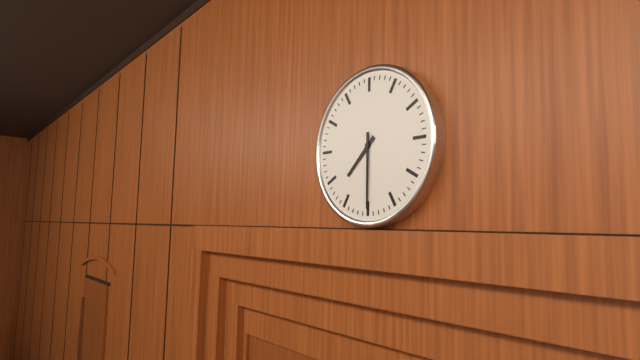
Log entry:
7 h 30 min
